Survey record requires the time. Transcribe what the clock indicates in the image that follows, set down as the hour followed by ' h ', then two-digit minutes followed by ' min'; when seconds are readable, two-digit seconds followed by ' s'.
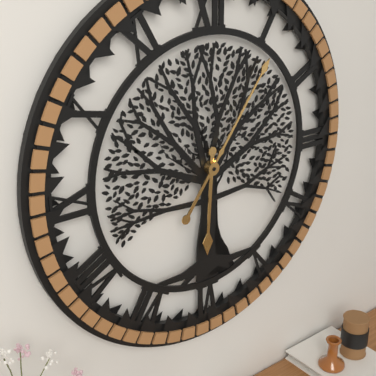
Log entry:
6 h 06 min
